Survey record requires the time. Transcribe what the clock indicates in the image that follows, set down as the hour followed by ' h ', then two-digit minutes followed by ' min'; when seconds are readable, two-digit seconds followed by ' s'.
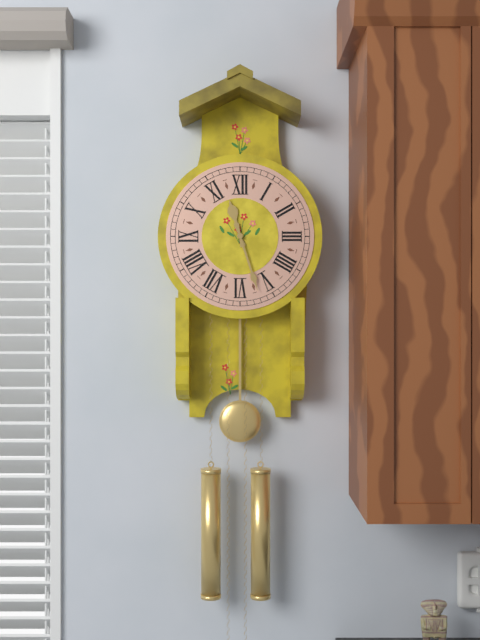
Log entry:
11 h 27 min
